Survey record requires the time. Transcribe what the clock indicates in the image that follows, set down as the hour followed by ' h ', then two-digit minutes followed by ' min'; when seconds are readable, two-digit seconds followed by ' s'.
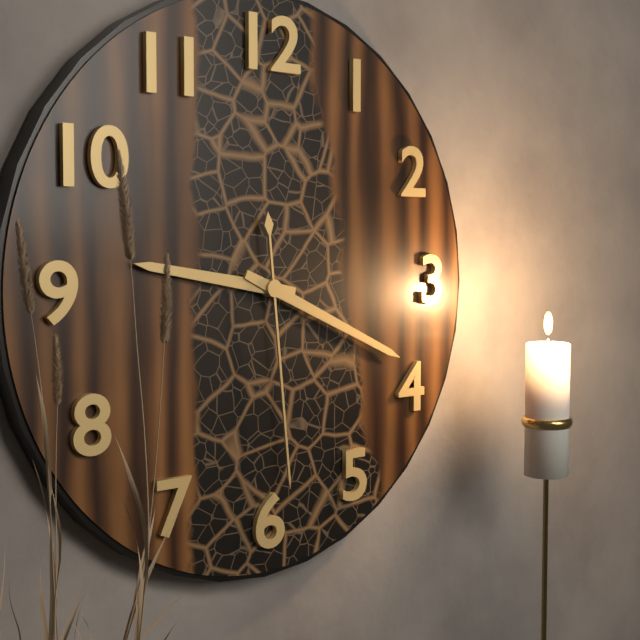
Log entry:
9 h 19 min 29 s
